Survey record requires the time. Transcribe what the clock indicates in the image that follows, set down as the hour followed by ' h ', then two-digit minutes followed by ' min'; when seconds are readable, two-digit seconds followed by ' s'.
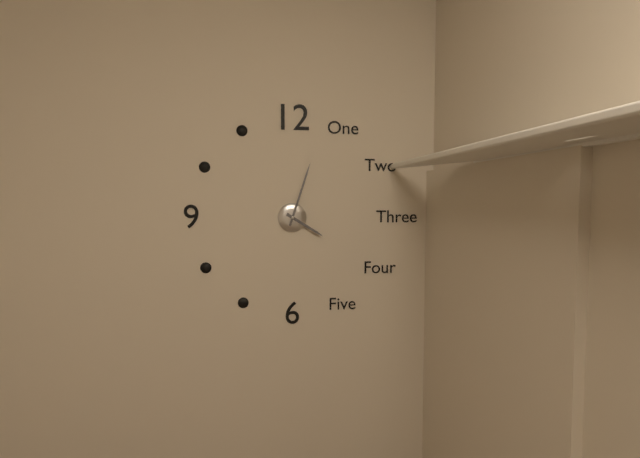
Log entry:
4 h 03 min
